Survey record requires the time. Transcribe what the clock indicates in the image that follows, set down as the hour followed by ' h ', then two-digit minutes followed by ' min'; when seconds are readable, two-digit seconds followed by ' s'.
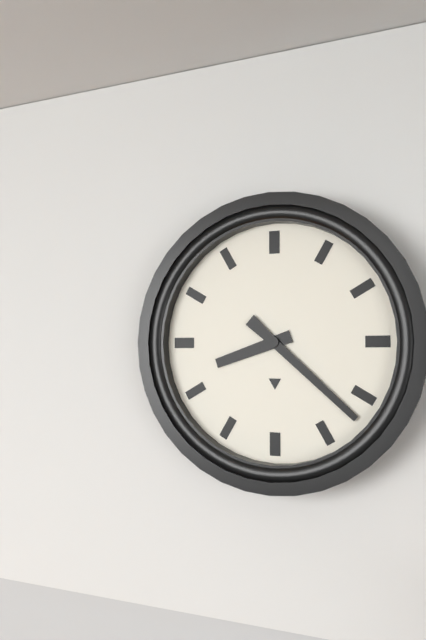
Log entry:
8 h 22 min
